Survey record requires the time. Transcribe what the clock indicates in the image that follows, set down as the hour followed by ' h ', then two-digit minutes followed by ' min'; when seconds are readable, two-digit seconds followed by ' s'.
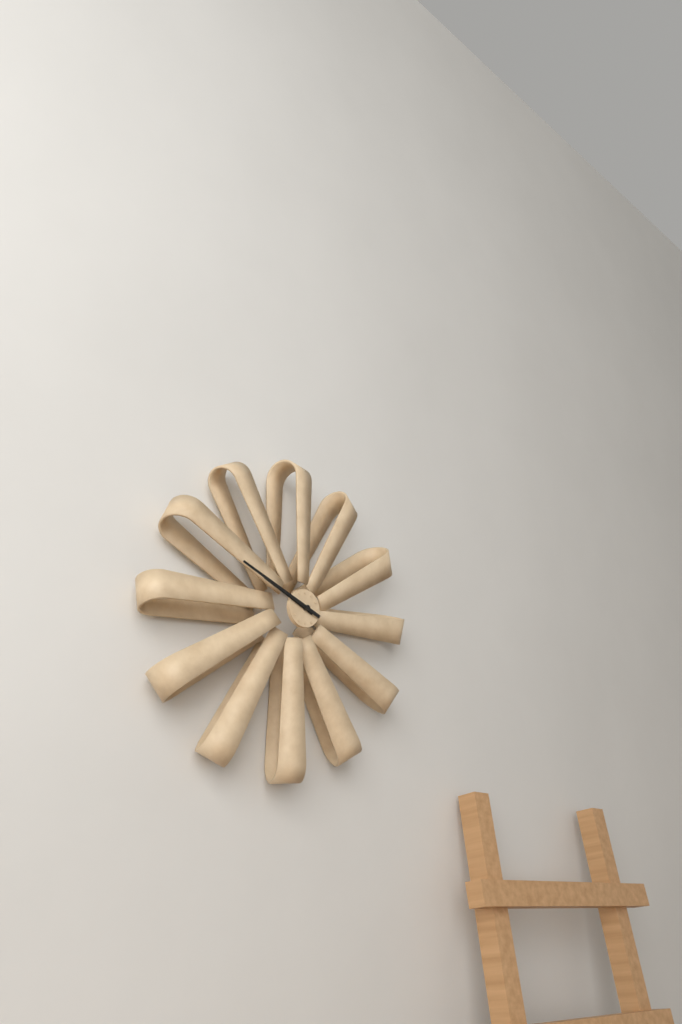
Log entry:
9 h 49 min
